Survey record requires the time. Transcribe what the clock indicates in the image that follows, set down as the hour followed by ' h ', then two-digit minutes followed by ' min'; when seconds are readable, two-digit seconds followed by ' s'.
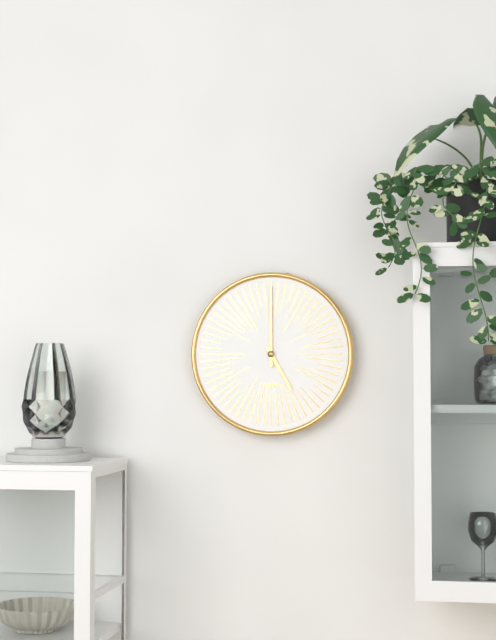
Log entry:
5 h 00 min
